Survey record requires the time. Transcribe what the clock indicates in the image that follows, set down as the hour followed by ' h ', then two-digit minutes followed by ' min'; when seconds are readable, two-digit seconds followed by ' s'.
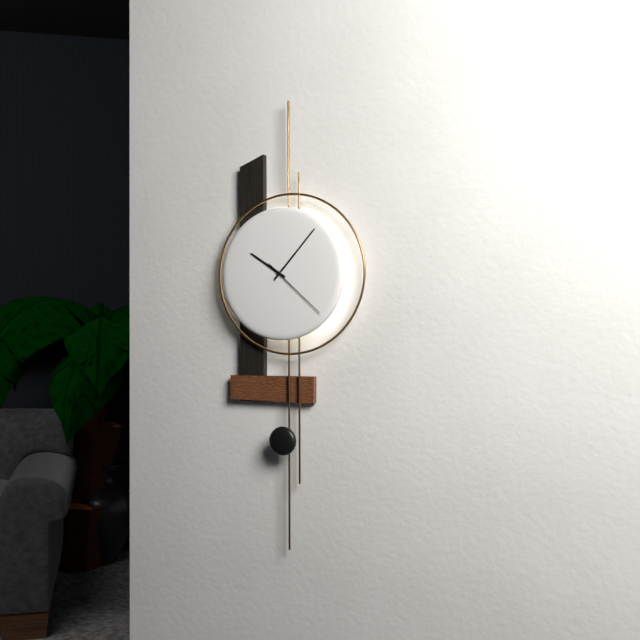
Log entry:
10 h 07 min 22 s
